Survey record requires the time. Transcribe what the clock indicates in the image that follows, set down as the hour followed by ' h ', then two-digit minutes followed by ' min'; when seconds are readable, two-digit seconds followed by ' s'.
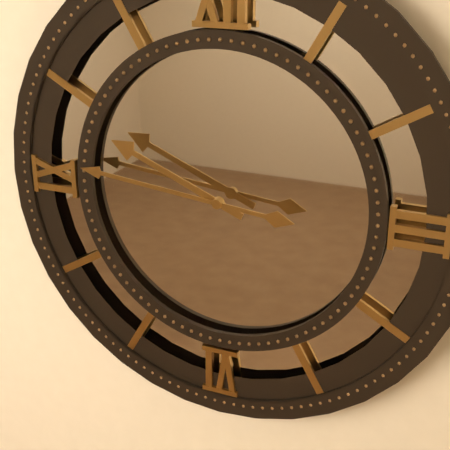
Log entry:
9 h 46 min
